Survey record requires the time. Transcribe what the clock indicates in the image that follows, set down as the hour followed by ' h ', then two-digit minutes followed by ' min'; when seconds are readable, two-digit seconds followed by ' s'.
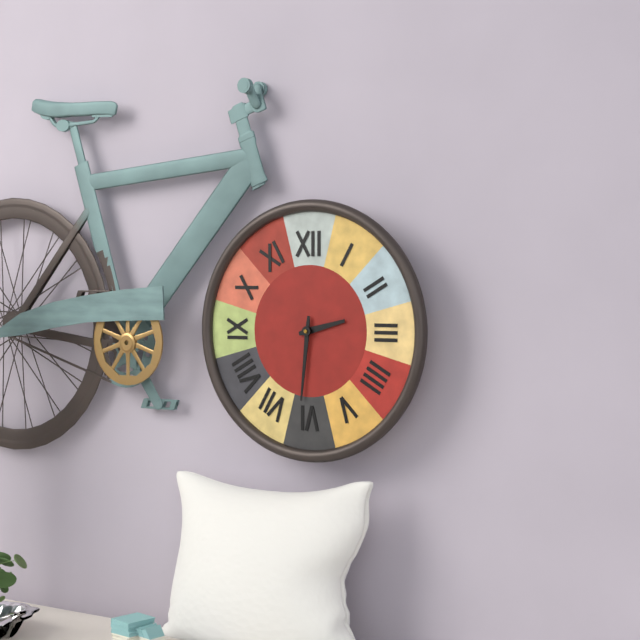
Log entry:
2 h 31 min
